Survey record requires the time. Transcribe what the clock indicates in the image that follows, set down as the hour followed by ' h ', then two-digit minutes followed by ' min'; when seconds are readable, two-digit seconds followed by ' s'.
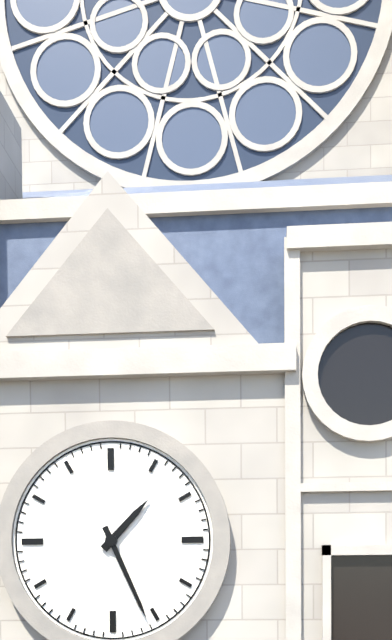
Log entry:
1 h 26 min
